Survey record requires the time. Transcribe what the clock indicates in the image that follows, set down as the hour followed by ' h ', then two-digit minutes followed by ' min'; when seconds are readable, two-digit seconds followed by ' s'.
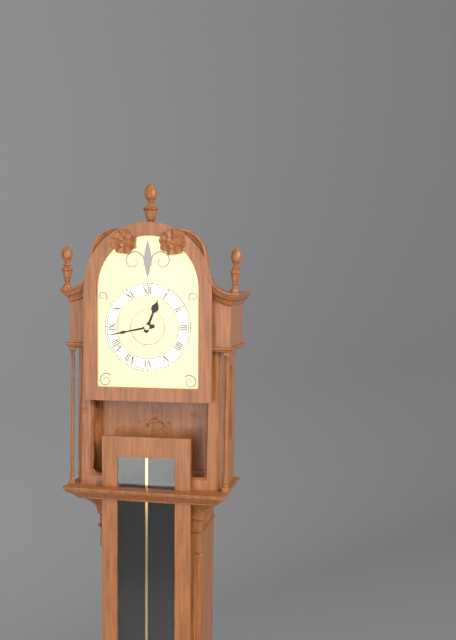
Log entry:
12 h 43 min
